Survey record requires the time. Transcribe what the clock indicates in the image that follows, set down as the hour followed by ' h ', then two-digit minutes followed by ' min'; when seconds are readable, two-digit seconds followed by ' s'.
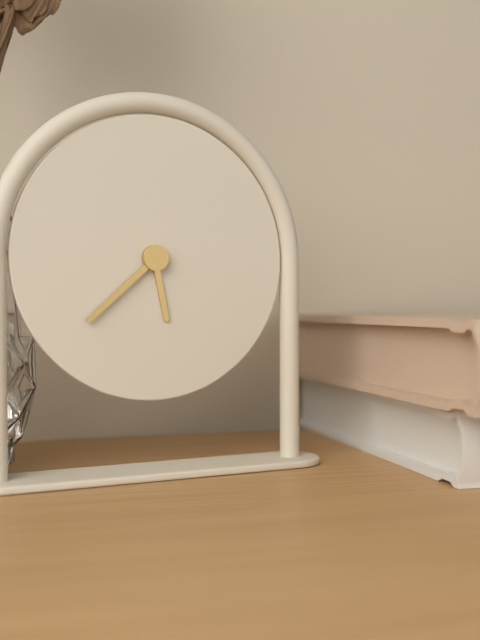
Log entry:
5 h 38 min
